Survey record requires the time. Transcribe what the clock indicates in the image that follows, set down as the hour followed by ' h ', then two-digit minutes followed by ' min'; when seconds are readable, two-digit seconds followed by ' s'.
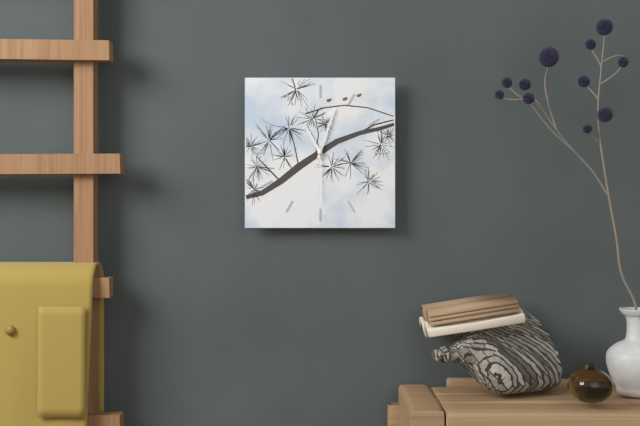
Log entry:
11 h 03 min 30 s
